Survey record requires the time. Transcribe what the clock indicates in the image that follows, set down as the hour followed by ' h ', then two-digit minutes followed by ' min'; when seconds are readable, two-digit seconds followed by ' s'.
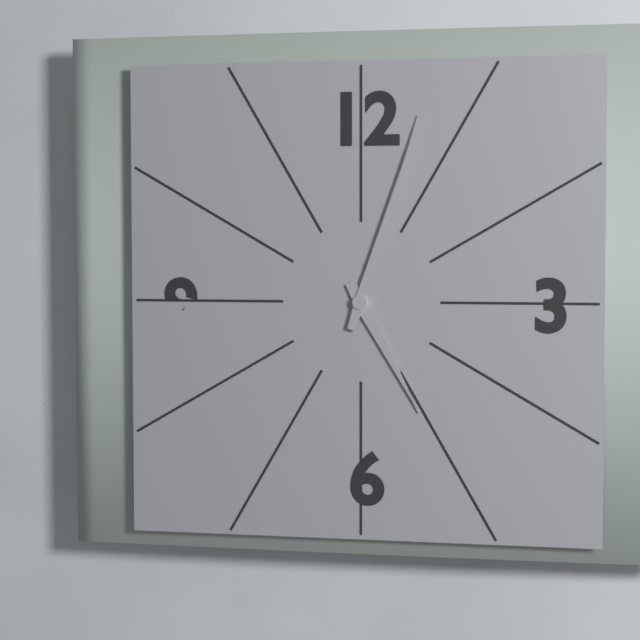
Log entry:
5 h 03 min
